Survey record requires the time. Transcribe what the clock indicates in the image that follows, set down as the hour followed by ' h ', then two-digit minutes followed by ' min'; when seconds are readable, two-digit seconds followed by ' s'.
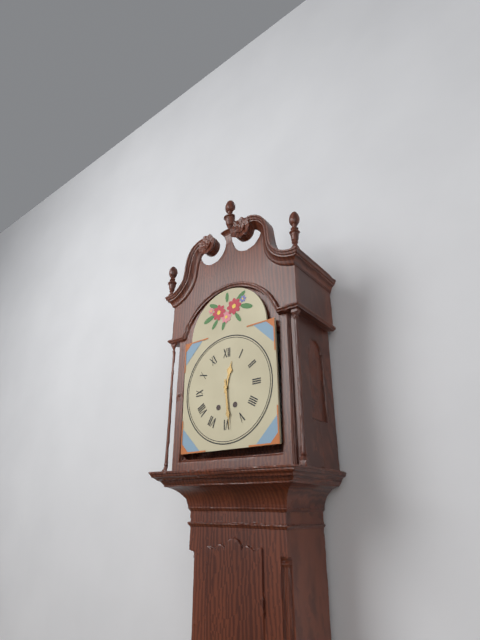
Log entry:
12 h 29 min
